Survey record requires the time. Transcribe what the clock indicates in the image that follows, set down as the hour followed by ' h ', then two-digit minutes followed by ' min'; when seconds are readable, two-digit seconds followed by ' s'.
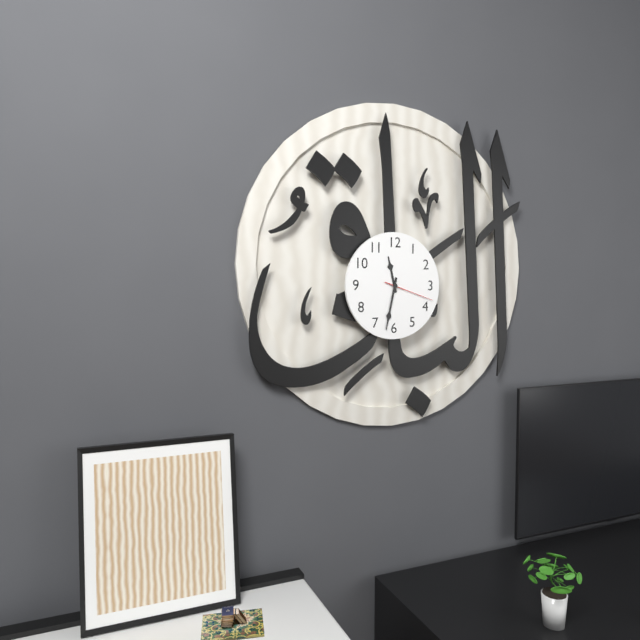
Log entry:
11 h 32 min 18 s
